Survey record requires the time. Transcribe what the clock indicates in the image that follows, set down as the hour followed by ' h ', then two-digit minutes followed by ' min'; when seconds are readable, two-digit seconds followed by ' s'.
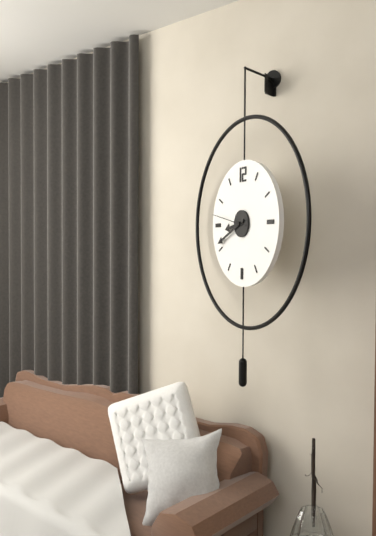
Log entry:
8 h 41 min
